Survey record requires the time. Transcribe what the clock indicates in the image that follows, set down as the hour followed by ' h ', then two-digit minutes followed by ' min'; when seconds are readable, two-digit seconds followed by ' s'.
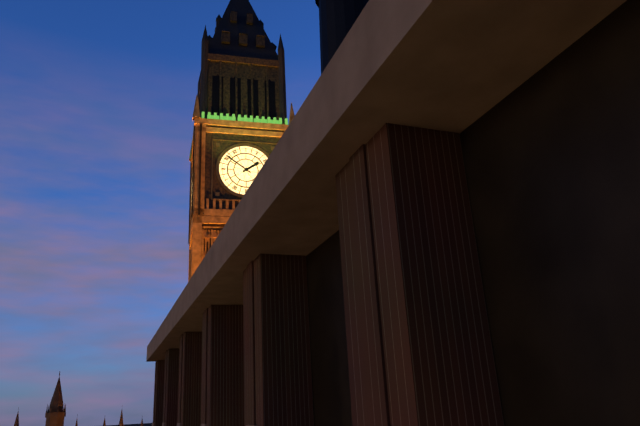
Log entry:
1 h 51 min
